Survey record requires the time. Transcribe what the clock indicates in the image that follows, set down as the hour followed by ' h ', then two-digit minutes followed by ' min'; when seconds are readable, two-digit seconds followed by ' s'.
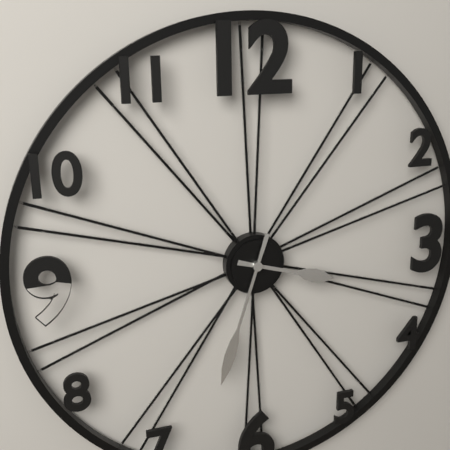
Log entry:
3 h 33 min
